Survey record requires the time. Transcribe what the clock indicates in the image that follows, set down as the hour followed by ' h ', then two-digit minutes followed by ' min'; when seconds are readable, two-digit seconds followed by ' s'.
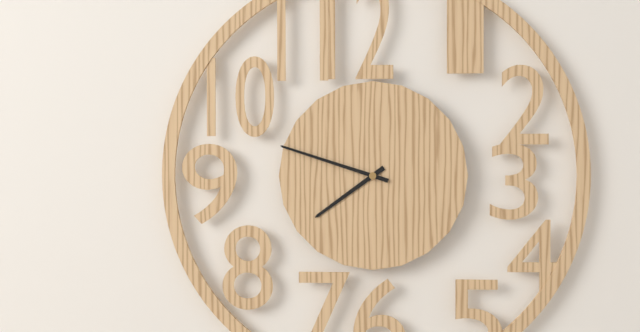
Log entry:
7 h 48 min
